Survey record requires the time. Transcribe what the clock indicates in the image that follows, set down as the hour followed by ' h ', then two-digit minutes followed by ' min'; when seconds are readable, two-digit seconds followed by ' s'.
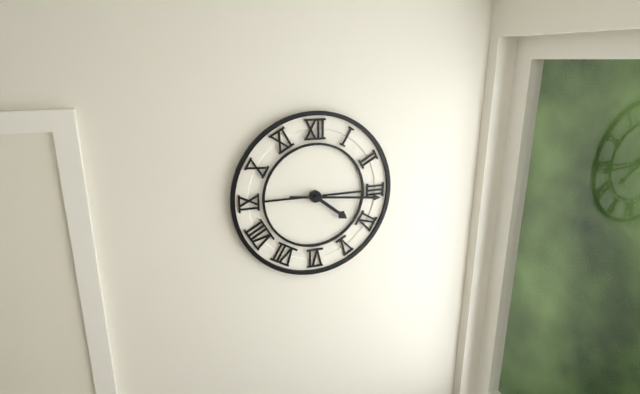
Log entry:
4 h 16 min
